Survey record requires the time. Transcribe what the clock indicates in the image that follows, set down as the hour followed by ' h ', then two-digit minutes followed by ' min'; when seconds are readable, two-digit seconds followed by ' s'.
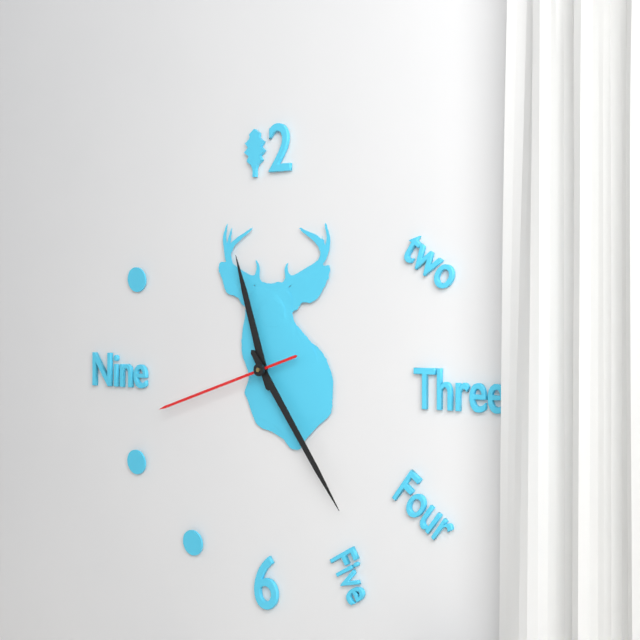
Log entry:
11 h 24 min 42 s
